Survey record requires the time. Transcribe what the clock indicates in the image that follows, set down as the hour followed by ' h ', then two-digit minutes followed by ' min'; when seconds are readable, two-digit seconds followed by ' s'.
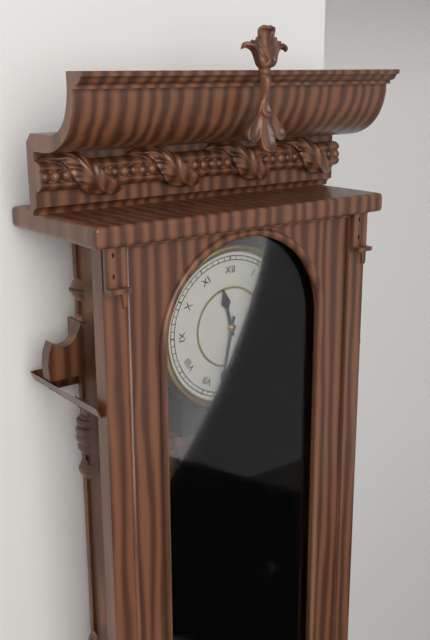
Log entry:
11 h 32 min
